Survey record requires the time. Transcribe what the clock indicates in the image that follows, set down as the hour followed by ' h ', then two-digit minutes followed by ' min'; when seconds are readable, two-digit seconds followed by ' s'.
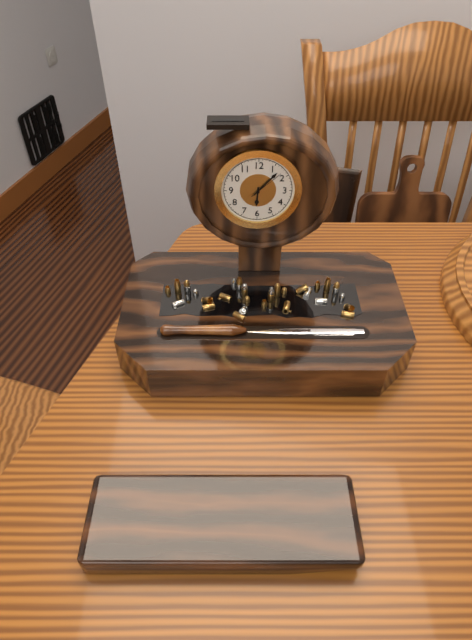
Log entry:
6 h 07 min
